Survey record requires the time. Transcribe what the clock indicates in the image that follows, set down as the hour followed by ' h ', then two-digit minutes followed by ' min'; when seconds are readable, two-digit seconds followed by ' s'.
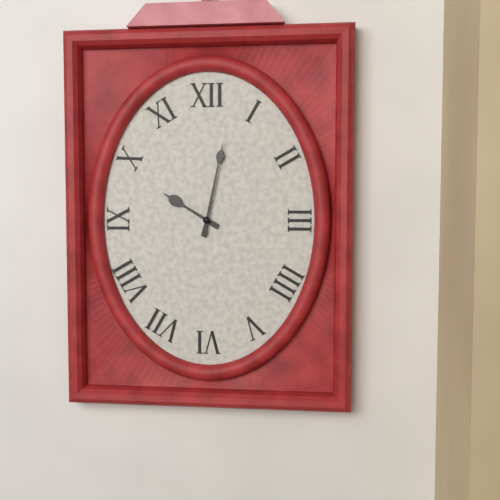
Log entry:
10 h 02 min
